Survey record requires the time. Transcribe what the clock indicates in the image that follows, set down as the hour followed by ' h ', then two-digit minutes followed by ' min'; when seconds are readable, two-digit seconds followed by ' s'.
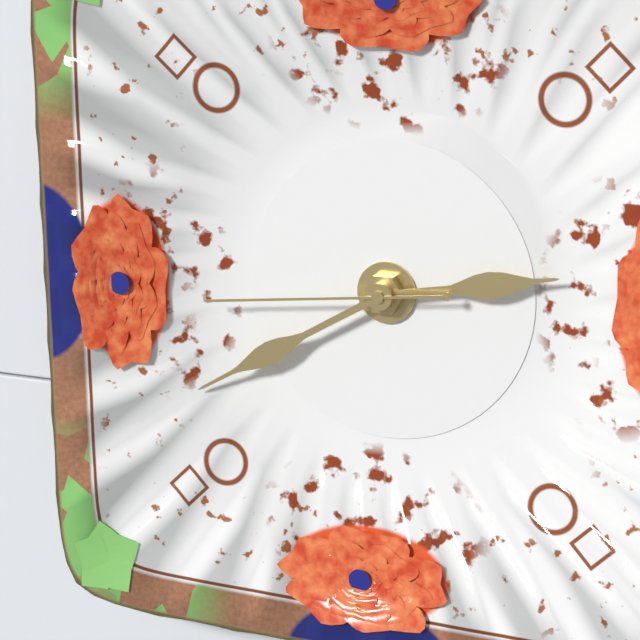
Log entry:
2 h 40 min 44 s
